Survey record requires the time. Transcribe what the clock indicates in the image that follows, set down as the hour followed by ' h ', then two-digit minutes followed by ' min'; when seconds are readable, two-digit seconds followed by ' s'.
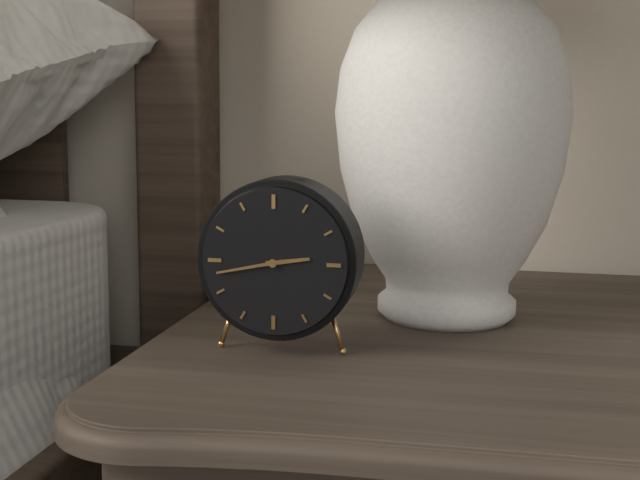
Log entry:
2 h 43 min
